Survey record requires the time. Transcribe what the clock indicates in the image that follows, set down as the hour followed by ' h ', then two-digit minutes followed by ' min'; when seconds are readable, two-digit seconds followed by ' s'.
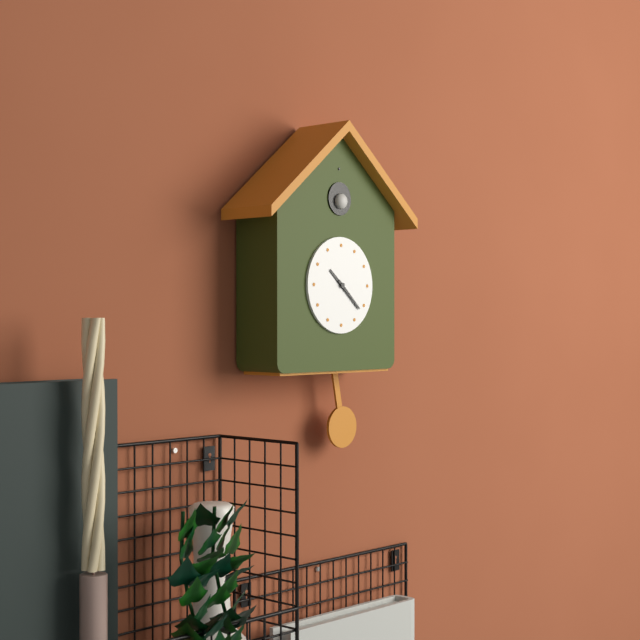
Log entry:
10 h 22 min
